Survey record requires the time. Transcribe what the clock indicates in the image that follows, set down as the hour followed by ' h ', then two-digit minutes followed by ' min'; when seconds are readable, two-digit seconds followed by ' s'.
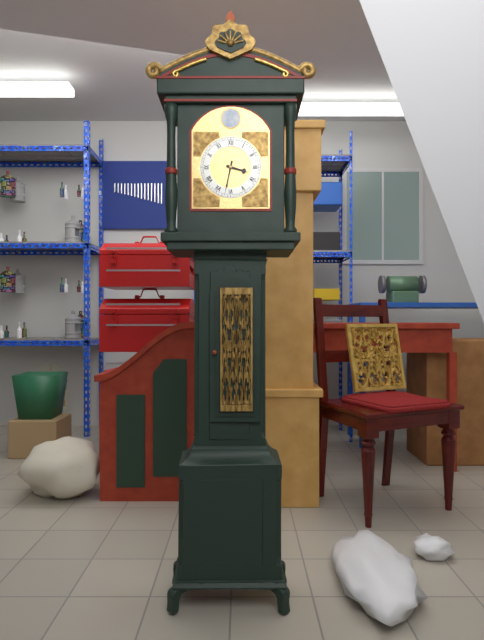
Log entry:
3 h 32 min
